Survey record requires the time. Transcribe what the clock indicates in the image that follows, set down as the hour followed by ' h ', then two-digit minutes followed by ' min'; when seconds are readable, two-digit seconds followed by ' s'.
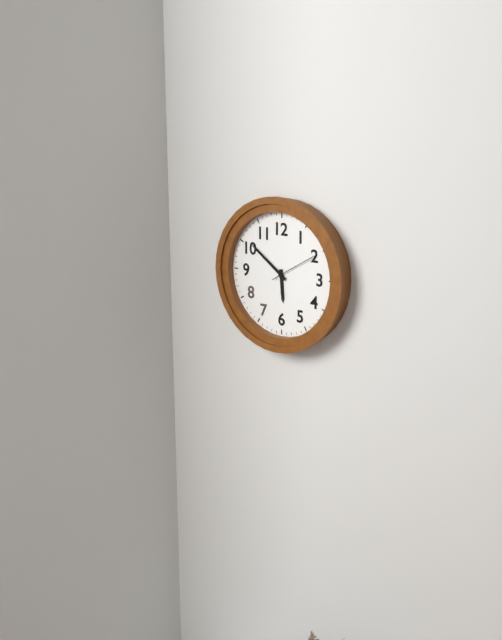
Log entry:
5 h 51 min 10 s
